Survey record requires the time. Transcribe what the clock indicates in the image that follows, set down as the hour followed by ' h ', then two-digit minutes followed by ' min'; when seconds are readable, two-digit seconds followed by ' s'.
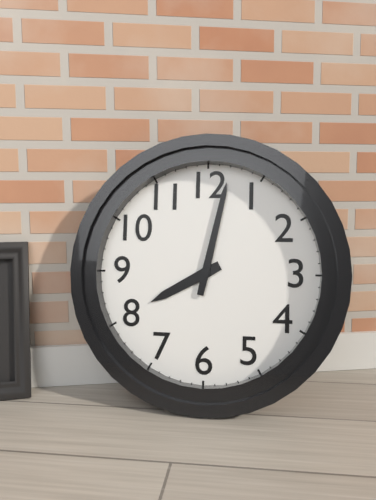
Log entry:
8 h 02 min
